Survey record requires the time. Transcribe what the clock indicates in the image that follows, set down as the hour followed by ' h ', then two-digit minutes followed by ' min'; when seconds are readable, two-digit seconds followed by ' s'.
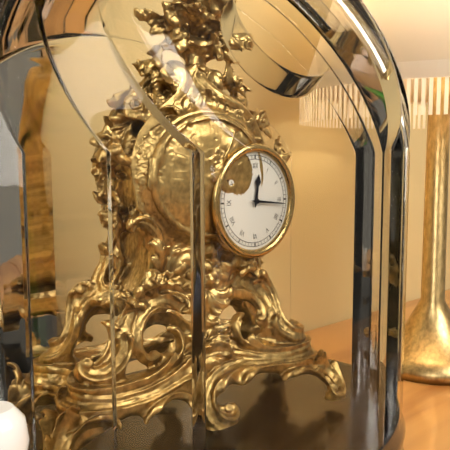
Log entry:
12 h 16 min
